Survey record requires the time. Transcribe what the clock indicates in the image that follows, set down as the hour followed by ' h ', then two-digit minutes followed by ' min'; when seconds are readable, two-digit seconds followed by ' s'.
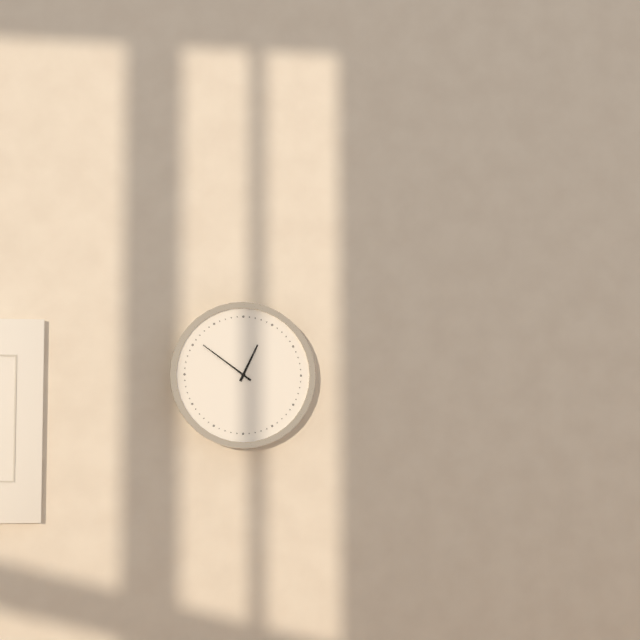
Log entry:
12 h 51 min
